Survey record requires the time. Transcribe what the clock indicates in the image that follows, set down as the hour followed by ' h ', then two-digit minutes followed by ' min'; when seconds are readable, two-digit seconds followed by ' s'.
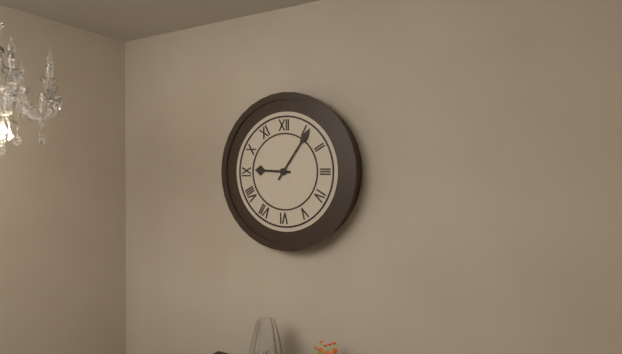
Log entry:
9 h 06 min
